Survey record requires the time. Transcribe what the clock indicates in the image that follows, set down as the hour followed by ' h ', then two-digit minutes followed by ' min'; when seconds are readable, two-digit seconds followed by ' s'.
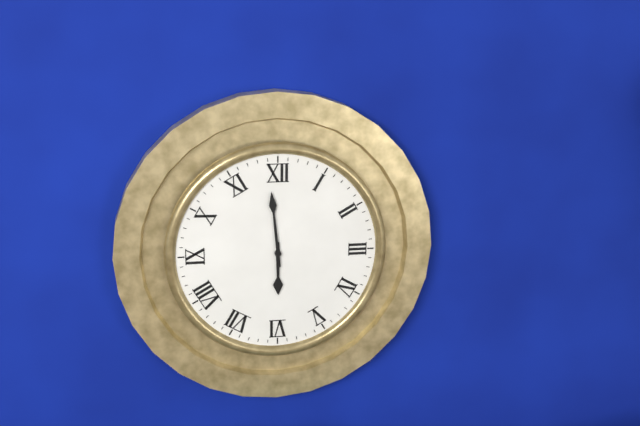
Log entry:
5 h 59 min
